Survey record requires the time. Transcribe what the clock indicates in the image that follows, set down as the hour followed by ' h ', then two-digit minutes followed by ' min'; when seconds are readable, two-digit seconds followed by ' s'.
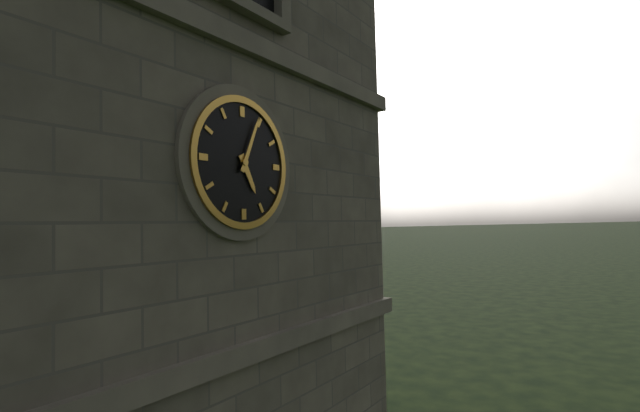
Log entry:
5 h 04 min
